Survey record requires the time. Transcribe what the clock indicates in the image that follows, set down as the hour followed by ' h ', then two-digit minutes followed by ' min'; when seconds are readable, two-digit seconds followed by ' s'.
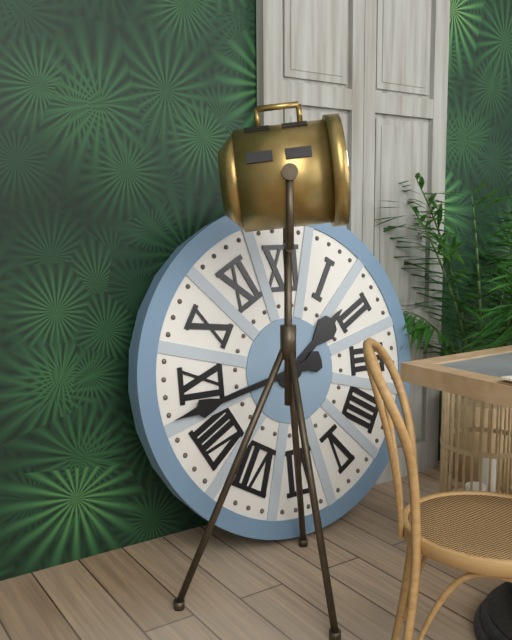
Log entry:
1 h 43 min
